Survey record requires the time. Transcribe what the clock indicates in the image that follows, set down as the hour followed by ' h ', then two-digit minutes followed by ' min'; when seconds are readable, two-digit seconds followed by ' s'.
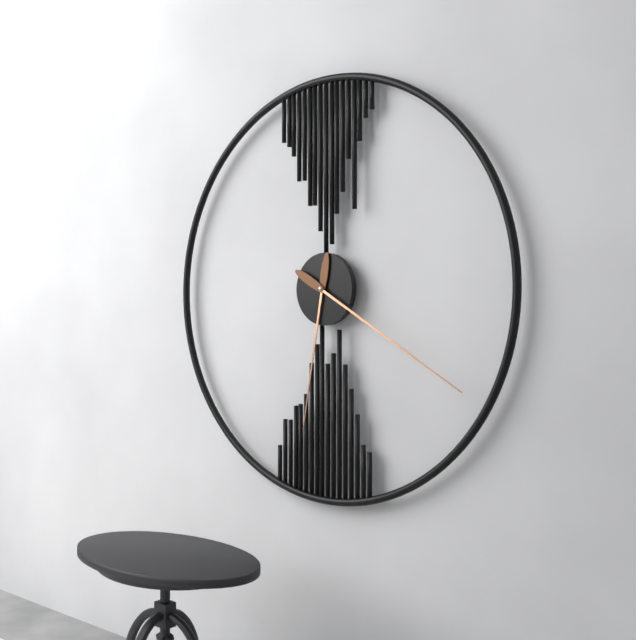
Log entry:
6 h 20 min
